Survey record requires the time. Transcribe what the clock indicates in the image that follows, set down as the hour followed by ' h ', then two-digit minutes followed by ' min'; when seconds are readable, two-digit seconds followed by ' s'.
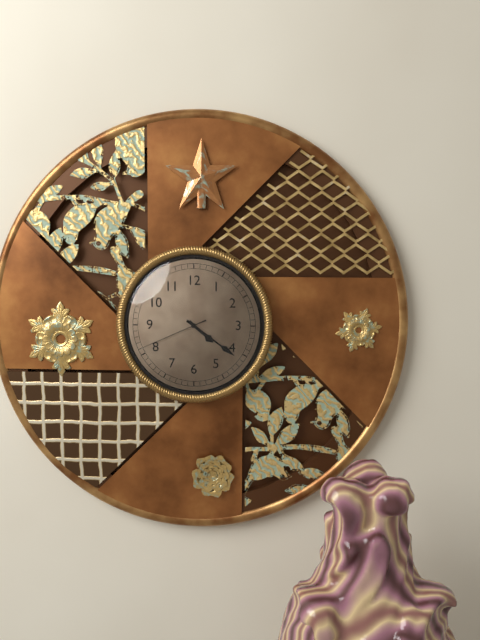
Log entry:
4 h 21 min 41 s
